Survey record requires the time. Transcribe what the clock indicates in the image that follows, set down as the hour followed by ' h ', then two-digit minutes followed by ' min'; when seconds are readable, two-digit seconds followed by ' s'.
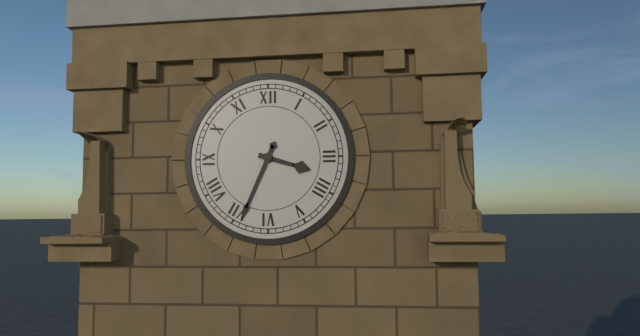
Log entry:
3 h 34 min
